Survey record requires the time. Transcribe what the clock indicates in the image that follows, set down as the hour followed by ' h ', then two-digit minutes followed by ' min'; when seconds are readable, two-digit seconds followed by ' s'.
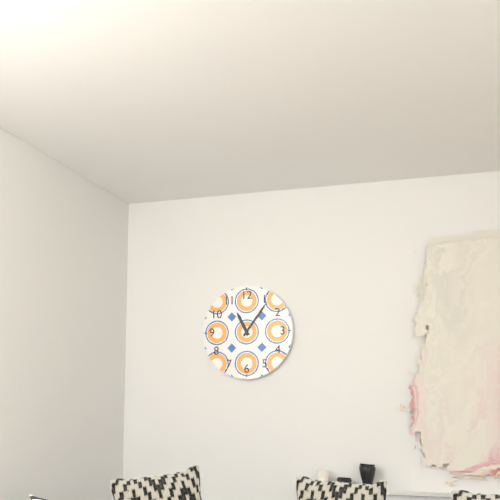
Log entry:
11 h 06 min
